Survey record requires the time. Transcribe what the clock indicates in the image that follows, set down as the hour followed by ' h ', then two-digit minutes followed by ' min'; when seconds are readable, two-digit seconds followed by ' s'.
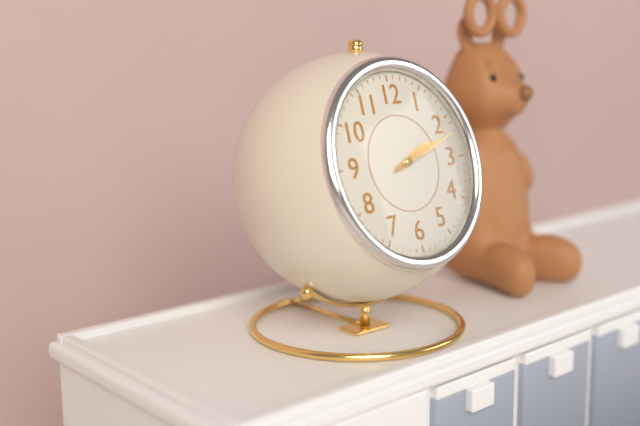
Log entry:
2 h 12 min 12 s
